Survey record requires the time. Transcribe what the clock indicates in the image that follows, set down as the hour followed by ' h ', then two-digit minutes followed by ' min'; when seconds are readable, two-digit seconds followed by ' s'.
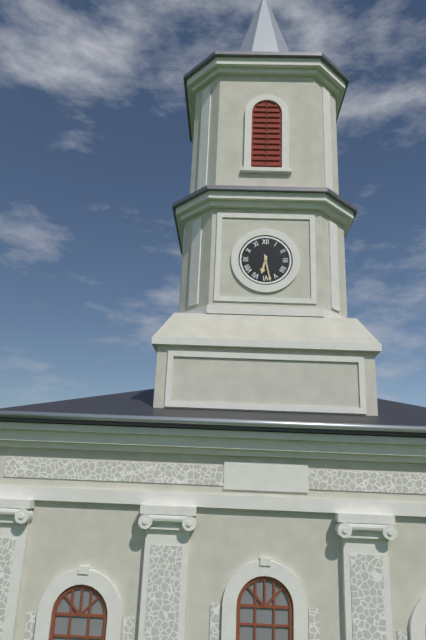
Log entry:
6 h 28 min
